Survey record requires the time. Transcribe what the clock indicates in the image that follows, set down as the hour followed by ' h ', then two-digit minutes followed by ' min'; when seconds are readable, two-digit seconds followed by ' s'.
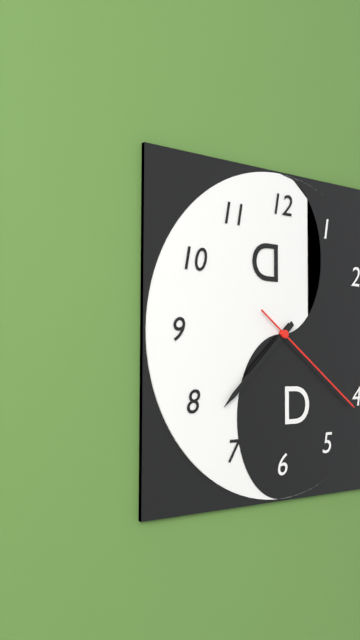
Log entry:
7 h 38 min 21 s
